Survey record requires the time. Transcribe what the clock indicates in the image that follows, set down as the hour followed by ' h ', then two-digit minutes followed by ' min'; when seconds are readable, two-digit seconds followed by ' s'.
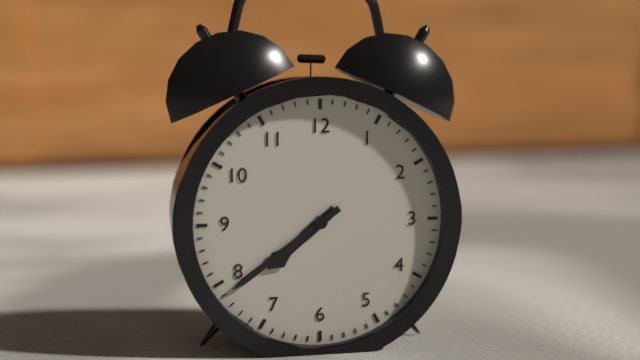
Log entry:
7 h 39 min
